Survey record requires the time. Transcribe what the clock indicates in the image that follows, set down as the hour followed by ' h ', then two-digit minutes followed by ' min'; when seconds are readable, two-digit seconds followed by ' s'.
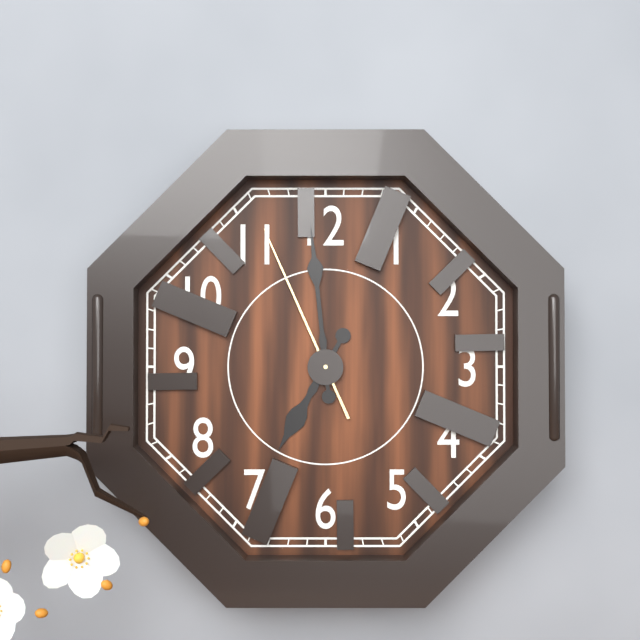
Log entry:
6 h 59 min 56 s
